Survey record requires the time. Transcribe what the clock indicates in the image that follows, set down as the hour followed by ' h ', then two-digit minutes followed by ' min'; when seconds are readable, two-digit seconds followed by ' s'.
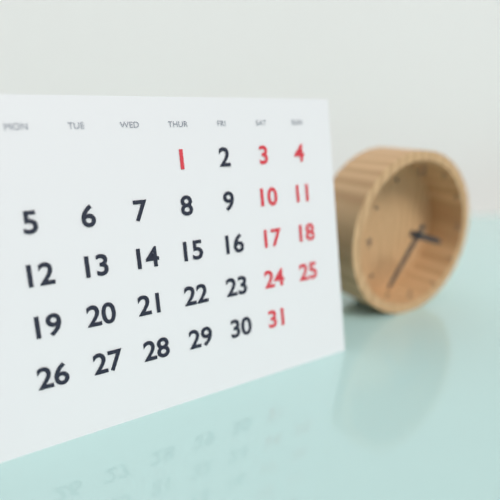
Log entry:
3 h 36 min
